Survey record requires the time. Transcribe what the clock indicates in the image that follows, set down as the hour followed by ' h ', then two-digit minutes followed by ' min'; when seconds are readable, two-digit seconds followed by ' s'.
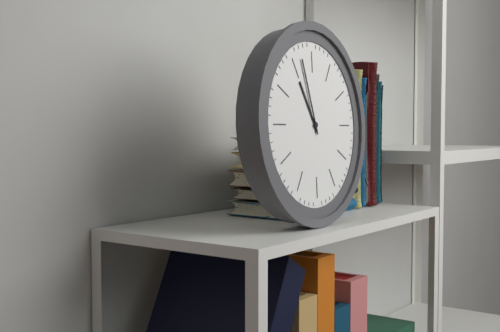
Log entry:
10 h 57 min
